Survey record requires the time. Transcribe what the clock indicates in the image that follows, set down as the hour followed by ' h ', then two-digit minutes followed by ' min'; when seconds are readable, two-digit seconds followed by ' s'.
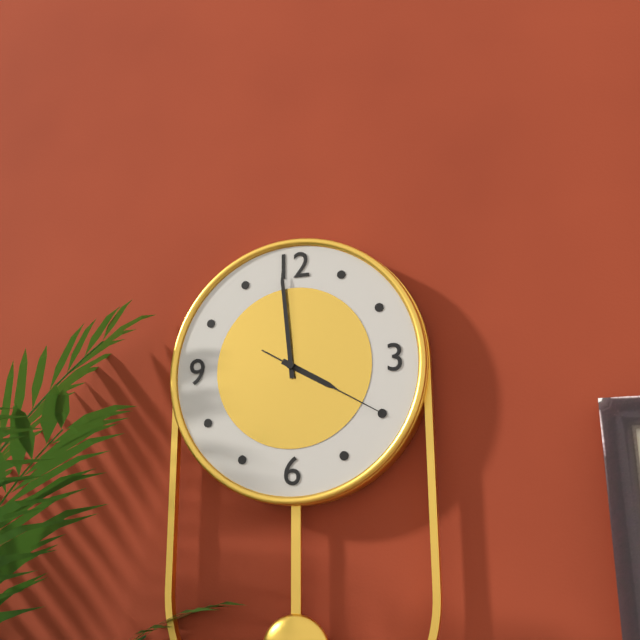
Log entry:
3 h 59 min 20 s
